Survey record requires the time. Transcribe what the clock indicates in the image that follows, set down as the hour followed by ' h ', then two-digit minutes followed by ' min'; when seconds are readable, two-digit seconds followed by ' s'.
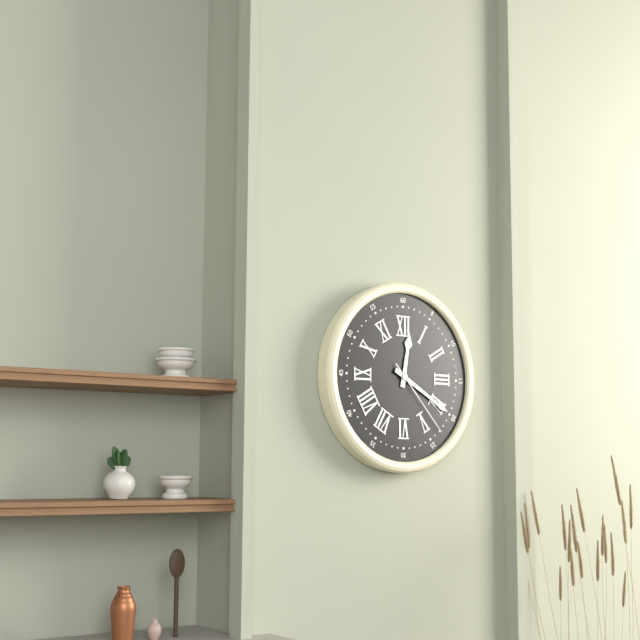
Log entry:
12 h 20 min 23 s
